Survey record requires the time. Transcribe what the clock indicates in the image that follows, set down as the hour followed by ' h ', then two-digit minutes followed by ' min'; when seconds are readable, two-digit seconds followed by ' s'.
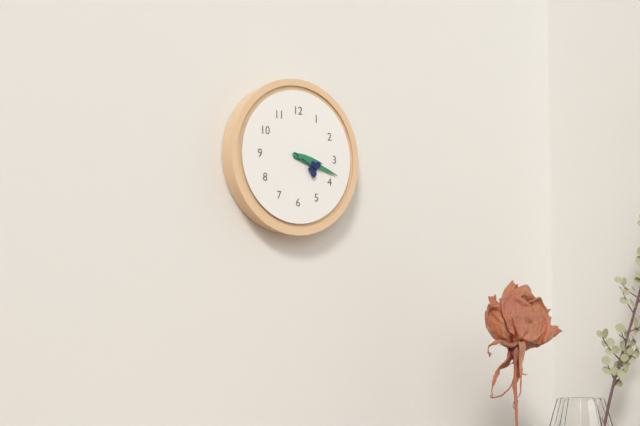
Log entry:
3 h 18 min
